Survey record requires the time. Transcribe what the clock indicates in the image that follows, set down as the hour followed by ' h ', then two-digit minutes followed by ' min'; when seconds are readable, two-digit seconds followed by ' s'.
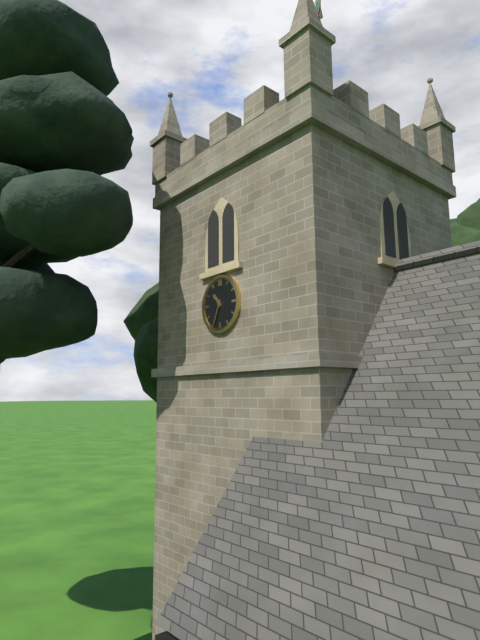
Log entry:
10 h 34 min
